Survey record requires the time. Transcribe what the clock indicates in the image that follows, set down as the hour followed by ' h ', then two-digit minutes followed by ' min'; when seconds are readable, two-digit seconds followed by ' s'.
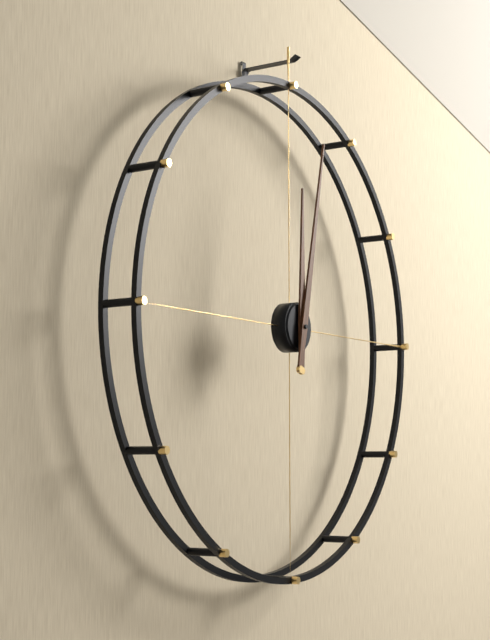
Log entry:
12 h 02 min
